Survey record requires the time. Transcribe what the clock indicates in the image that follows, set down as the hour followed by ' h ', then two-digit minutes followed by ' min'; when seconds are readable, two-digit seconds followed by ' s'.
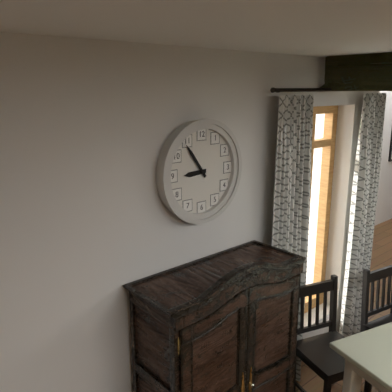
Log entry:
8 h 54 min
